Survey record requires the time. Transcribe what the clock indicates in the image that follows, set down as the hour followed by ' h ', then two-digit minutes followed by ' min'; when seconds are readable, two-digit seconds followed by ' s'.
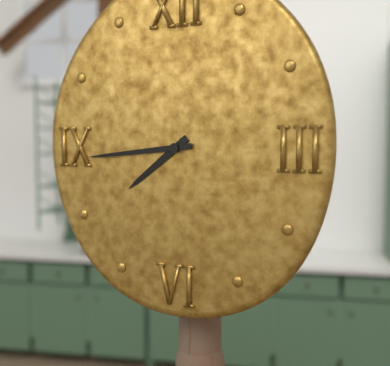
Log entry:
7 h 44 min
